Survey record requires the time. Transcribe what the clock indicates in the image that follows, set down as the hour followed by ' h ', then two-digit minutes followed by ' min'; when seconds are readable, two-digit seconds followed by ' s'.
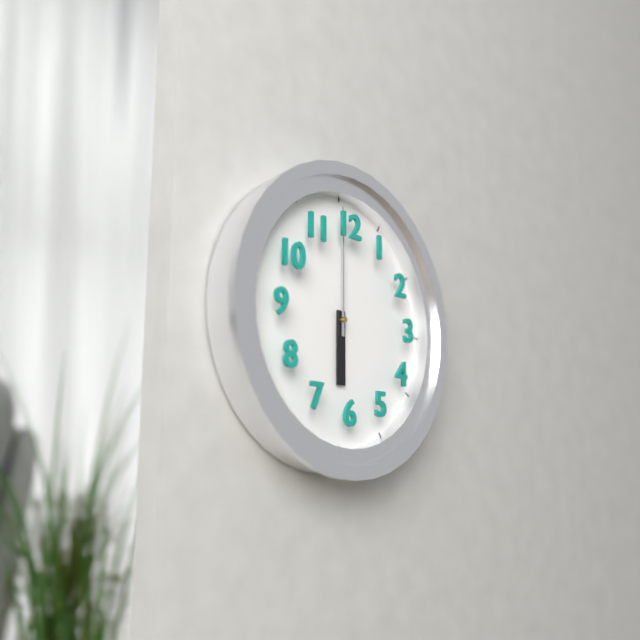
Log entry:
6 h 00 min
